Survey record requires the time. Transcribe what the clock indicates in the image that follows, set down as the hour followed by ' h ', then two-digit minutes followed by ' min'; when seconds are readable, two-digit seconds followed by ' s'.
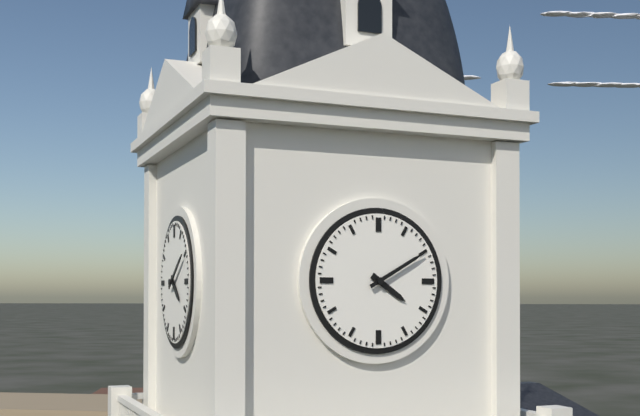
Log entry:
4 h 10 min
